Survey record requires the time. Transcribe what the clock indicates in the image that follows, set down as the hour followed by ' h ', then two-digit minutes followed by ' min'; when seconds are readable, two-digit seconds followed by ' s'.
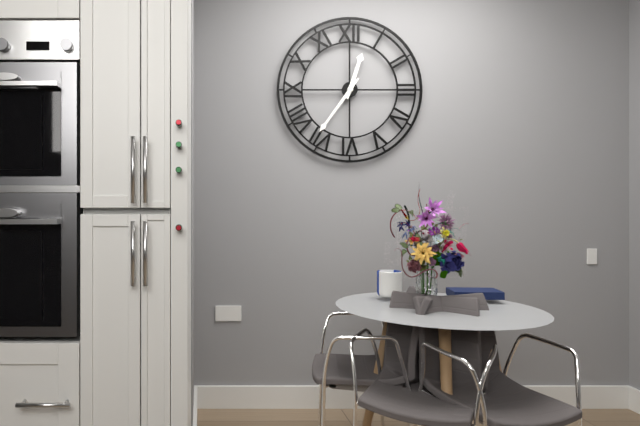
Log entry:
12 h 36 min
